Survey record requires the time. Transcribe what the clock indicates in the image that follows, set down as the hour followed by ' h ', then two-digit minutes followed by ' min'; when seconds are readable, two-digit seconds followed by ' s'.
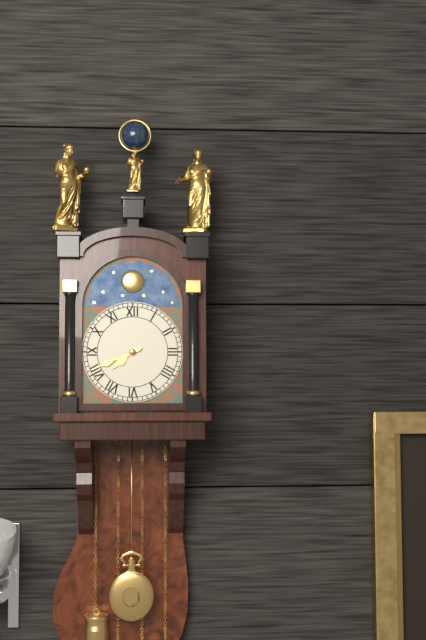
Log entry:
7 h 41 min
